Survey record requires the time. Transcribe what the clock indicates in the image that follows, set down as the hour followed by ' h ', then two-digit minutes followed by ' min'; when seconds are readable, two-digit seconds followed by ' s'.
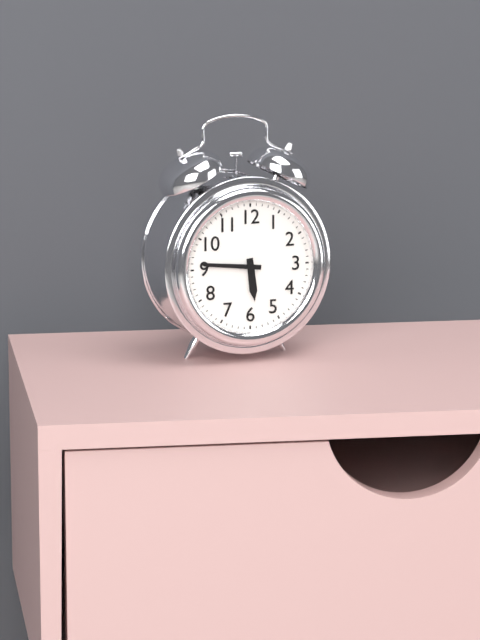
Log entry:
5 h 46 min
